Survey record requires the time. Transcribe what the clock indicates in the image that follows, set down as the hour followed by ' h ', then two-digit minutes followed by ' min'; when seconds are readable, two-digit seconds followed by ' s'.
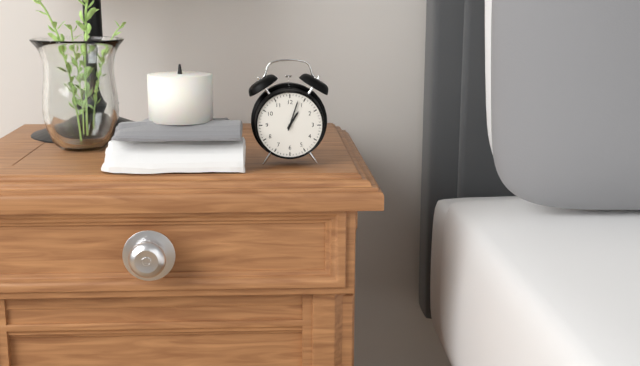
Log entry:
1 h 03 min
